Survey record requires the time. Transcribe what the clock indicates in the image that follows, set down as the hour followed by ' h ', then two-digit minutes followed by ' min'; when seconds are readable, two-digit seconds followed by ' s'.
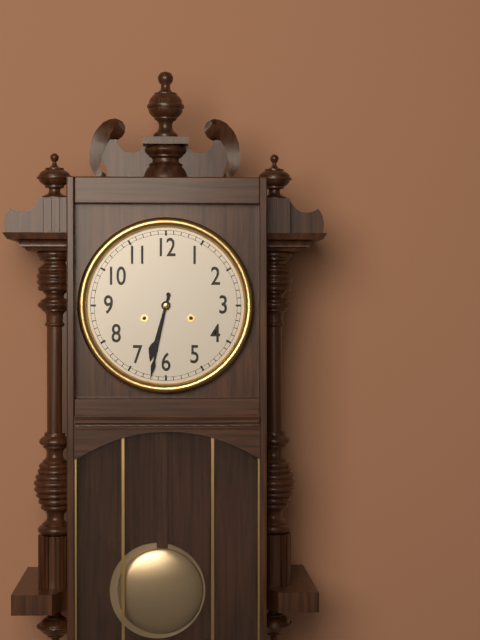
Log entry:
6 h 32 min
